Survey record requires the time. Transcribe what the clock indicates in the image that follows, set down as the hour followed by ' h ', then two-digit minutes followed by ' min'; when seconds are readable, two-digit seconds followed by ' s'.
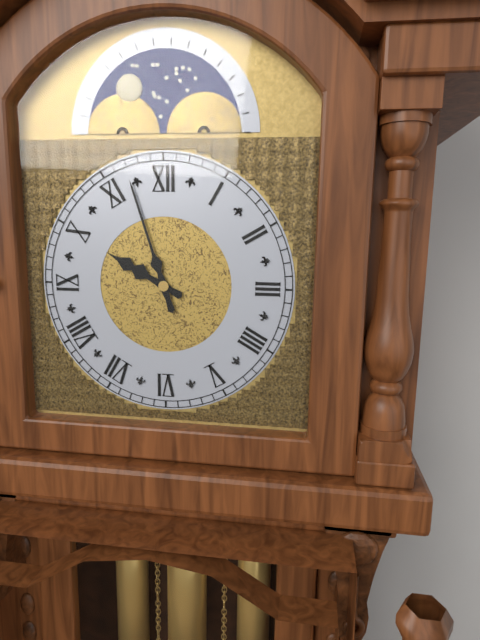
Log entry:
9 h 57 min
